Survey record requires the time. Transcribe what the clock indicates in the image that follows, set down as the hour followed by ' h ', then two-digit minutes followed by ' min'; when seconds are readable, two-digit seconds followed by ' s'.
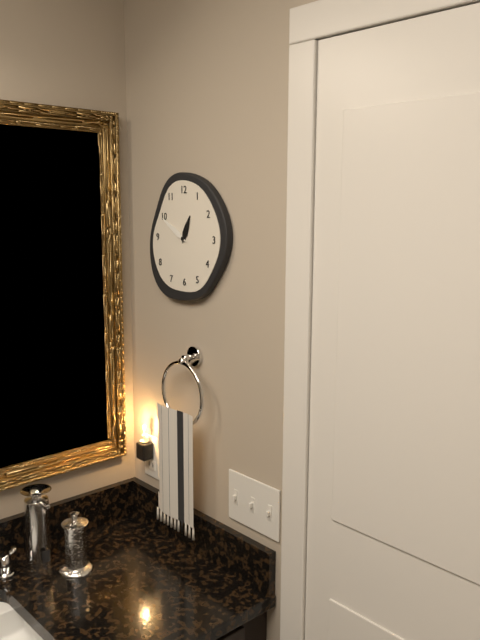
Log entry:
12 h 50 min
